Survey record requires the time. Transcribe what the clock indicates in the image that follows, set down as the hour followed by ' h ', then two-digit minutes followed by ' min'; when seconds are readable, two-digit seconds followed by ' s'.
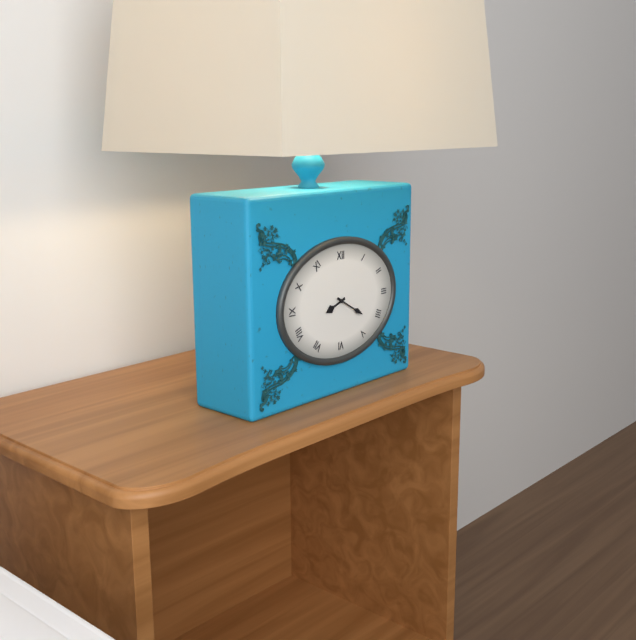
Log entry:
8 h 20 min
